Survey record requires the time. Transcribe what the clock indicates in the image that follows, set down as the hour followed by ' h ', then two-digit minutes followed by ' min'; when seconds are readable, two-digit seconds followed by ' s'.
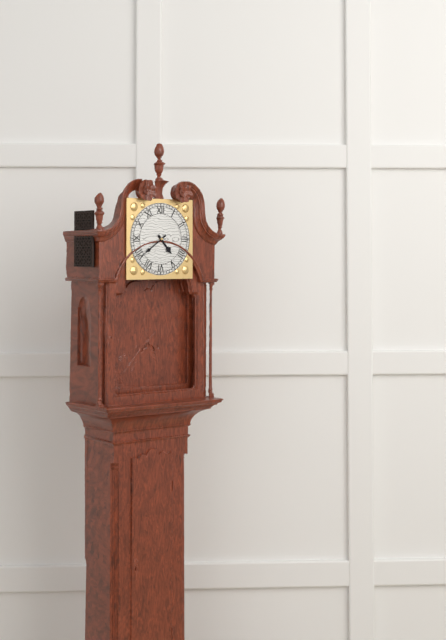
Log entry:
4 h 39 min
